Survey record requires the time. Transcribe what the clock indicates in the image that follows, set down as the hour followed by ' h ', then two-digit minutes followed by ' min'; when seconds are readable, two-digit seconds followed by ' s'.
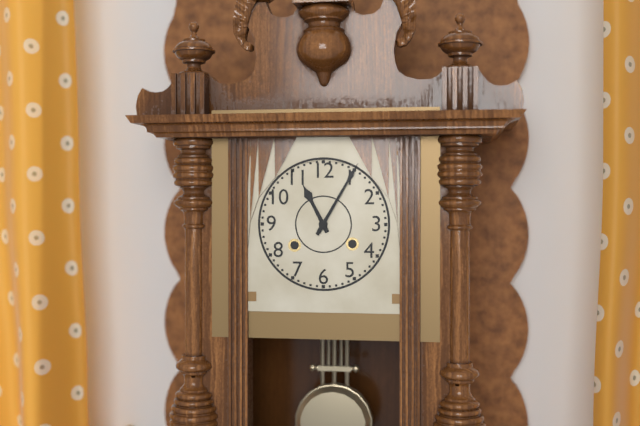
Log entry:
11 h 05 min
